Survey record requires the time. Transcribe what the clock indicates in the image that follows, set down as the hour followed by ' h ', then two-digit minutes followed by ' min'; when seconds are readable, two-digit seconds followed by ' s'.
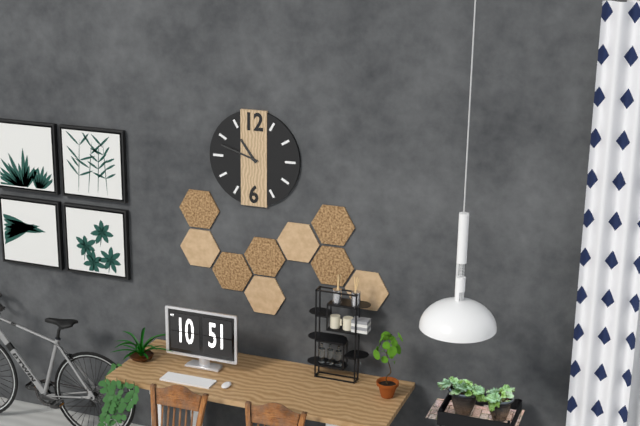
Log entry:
10 h 48 min
